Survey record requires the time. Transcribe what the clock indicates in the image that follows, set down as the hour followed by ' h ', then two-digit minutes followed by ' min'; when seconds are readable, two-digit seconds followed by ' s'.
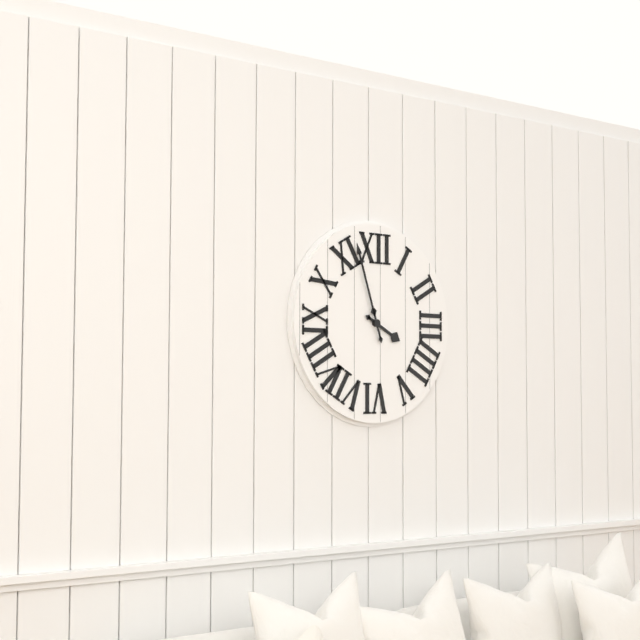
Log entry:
3 h 57 min
